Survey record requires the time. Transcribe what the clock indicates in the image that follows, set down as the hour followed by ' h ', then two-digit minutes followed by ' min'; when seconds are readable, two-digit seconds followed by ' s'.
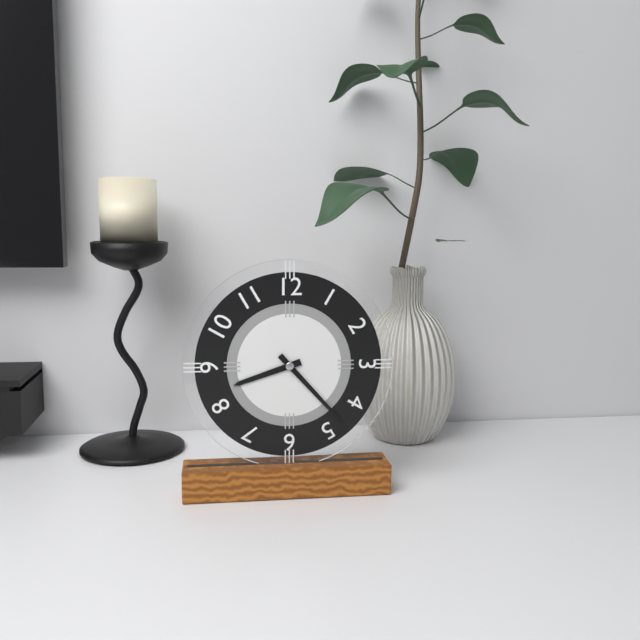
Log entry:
8 h 23 min
